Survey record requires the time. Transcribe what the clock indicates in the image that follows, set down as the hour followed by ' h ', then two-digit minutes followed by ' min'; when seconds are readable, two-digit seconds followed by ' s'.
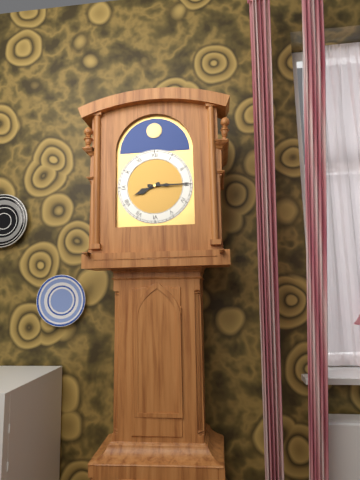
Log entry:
8 h 15 min
